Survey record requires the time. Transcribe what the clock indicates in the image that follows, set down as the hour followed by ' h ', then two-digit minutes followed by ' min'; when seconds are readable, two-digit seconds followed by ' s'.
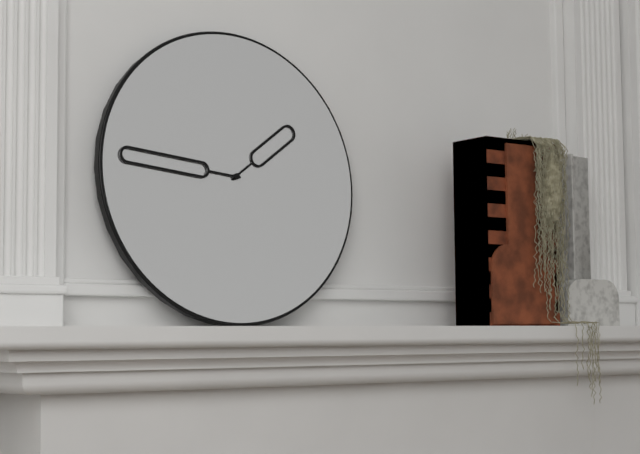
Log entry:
1 h 46 min
